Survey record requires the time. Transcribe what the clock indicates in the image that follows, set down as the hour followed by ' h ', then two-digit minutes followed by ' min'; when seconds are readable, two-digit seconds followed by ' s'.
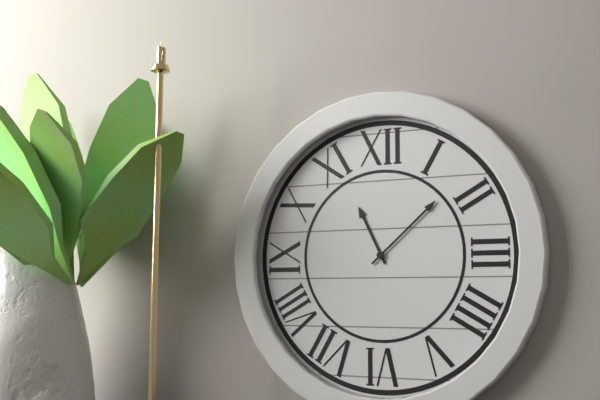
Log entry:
11 h 08 min
